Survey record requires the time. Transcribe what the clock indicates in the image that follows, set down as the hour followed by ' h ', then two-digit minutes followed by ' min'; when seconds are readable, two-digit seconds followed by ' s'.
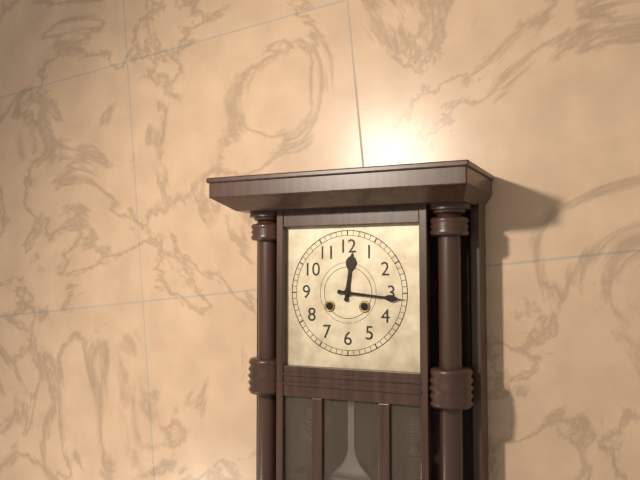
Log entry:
12 h 16 min
